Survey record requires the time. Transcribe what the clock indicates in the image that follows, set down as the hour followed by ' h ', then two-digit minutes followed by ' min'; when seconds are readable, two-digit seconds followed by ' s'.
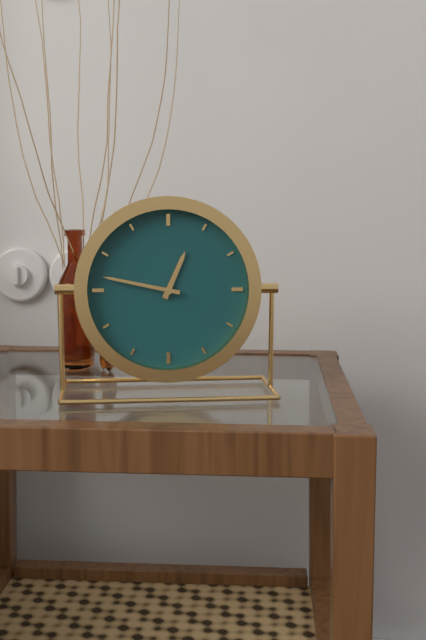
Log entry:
12 h 47 min
